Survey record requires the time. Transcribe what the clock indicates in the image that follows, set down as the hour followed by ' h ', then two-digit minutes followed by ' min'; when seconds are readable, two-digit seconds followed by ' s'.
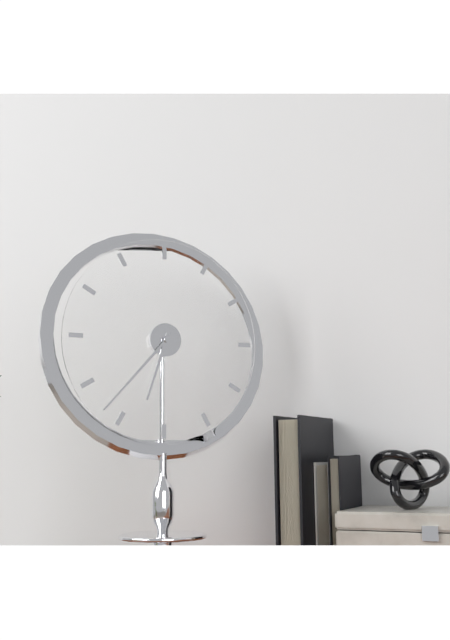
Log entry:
6 h 37 min
